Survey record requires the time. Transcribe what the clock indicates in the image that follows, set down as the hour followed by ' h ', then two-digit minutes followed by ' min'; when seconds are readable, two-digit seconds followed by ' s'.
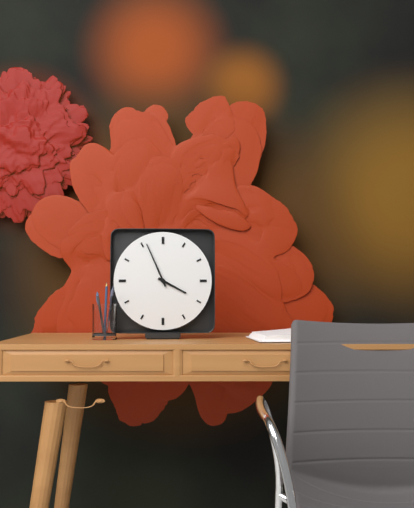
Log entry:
3 h 56 min
